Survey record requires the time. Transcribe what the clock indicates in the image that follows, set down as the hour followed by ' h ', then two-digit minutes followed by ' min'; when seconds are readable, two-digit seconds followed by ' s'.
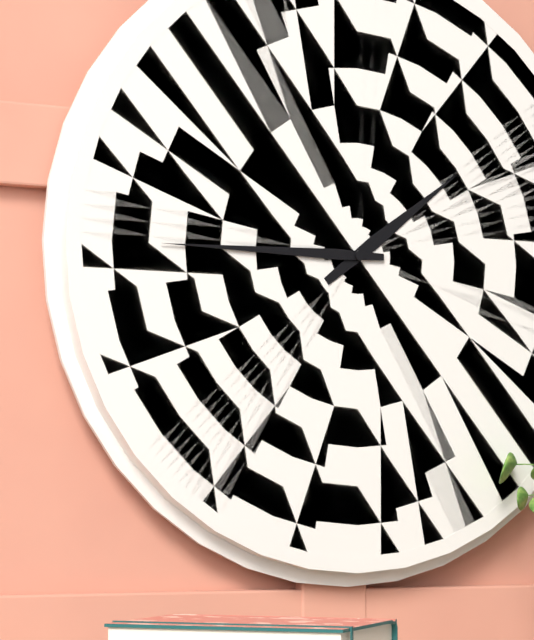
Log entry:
1 h 45 min
